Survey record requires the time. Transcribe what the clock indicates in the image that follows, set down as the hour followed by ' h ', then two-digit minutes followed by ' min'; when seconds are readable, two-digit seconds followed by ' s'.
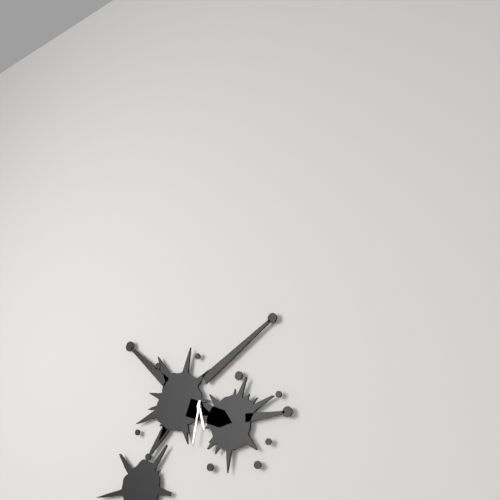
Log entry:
5 h 32 min
